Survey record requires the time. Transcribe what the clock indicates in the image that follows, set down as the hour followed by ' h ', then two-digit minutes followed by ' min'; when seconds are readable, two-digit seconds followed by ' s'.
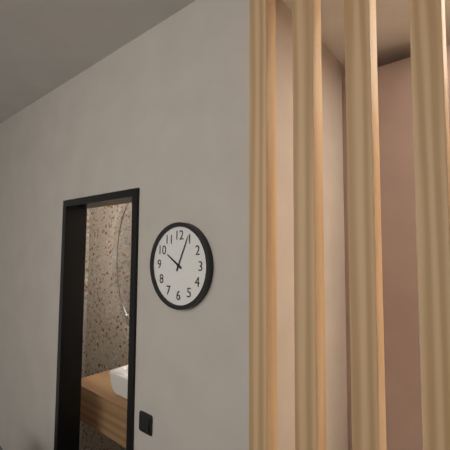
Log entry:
10 h 04 min
